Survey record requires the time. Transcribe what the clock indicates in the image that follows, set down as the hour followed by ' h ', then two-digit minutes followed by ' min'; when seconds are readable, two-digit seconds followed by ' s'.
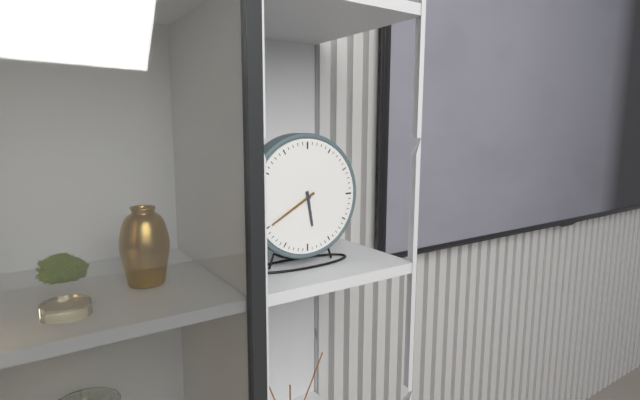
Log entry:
5 h 40 min
